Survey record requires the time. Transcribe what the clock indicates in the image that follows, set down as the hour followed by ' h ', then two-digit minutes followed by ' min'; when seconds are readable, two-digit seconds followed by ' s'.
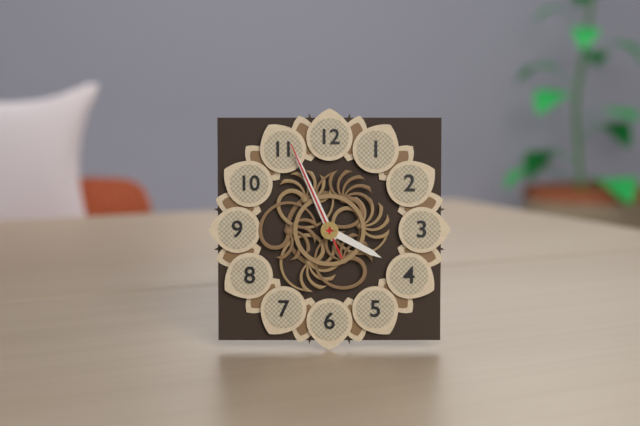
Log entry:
3 h 56 min 56 s
